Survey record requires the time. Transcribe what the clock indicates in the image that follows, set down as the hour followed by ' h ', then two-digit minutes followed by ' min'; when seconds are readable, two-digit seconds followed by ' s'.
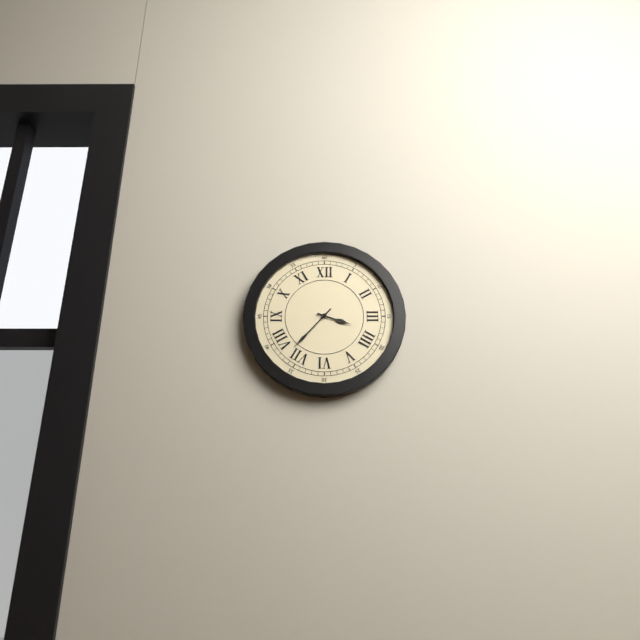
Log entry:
3 h 37 min
